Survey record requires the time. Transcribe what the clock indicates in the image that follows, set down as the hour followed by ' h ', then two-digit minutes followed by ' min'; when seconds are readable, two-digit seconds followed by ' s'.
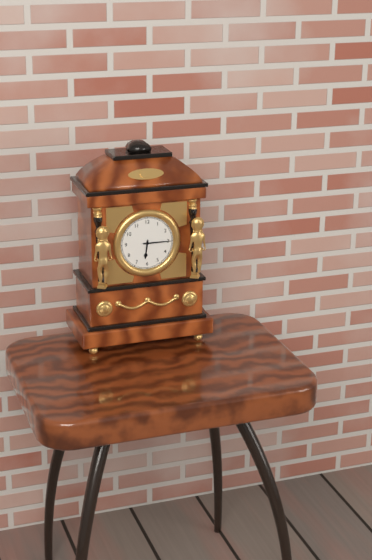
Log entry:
6 h 15 min
